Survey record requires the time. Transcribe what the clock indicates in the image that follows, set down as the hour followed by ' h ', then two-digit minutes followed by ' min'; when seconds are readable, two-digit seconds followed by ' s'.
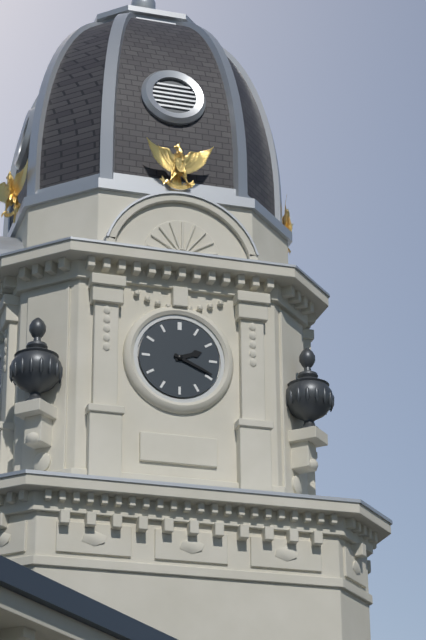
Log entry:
2 h 19 min
